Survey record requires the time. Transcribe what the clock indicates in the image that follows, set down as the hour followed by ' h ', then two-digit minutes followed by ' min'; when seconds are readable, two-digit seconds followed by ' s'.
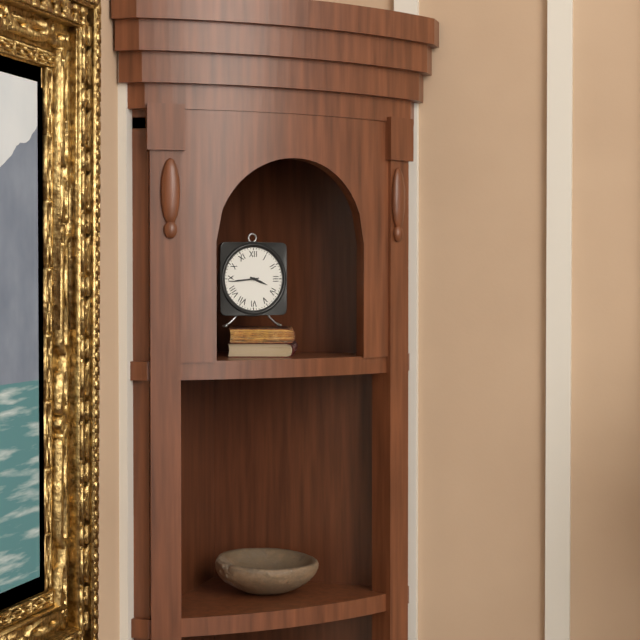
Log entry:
3 h 44 min
